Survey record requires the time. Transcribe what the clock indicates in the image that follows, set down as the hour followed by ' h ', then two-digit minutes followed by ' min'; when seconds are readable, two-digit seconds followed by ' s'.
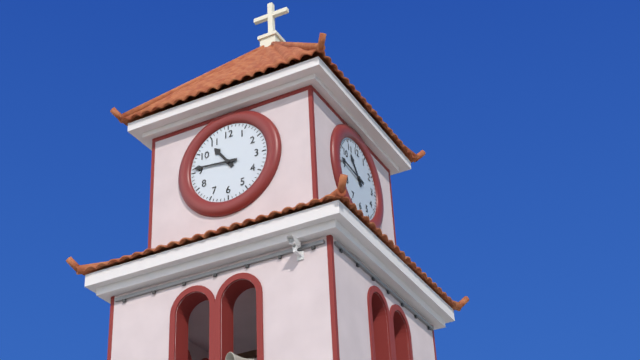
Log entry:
10 h 46 min
